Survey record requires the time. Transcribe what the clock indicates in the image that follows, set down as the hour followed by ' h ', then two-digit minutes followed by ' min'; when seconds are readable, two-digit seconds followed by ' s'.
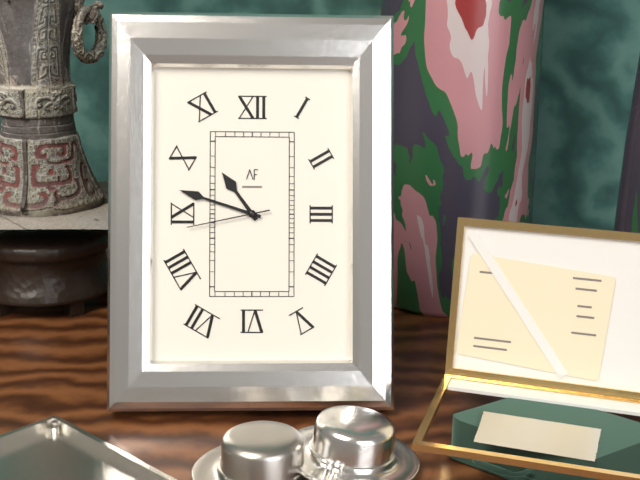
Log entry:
10 h 48 min 43 s
